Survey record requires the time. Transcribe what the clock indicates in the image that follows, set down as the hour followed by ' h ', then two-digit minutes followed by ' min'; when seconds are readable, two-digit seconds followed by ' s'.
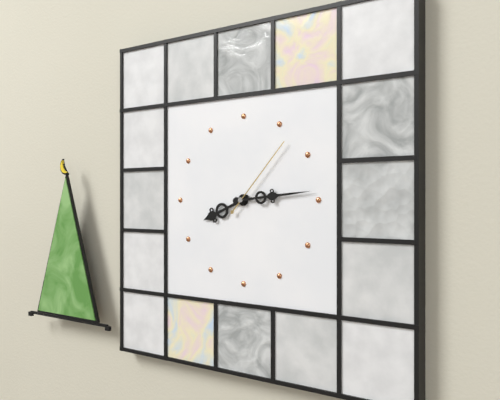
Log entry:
8 h 14 min 07 s
